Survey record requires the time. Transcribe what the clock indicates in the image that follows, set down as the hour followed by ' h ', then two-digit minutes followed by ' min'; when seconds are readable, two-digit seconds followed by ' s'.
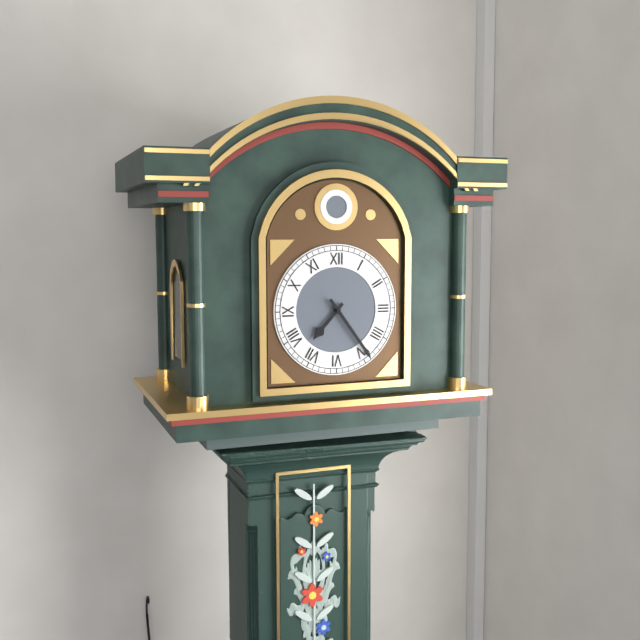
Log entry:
7 h 24 min
